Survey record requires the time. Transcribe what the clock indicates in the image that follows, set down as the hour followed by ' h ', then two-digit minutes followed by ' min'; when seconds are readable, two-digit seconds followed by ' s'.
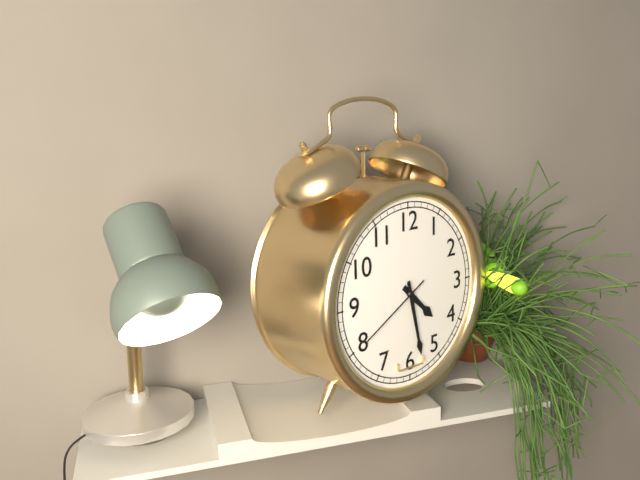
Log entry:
4 h 28 min 40 s
